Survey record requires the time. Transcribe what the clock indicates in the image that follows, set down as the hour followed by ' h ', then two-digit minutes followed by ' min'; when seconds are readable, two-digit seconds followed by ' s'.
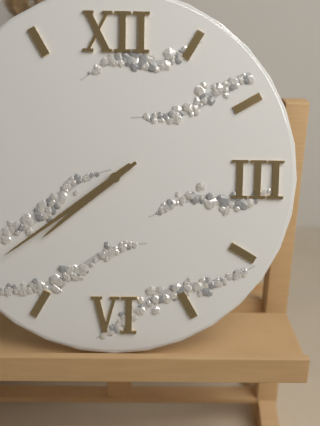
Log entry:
7 h 39 min
